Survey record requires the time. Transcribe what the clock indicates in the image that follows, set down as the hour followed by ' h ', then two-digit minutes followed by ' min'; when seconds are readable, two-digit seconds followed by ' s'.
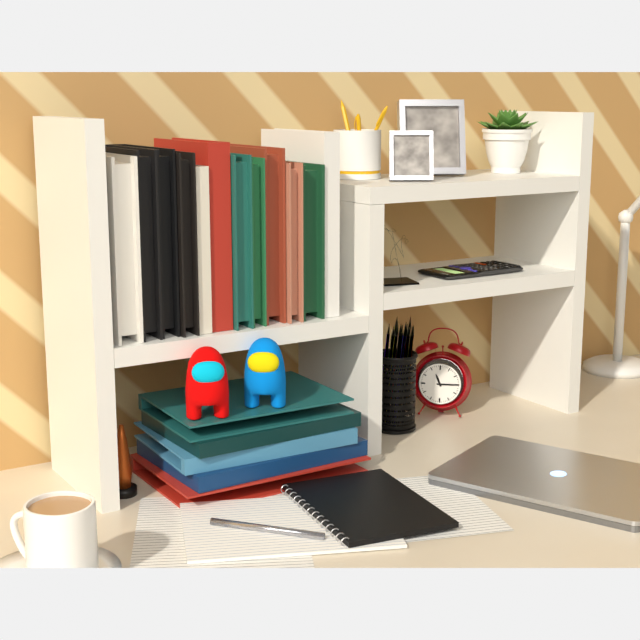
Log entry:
11 h 15 min
